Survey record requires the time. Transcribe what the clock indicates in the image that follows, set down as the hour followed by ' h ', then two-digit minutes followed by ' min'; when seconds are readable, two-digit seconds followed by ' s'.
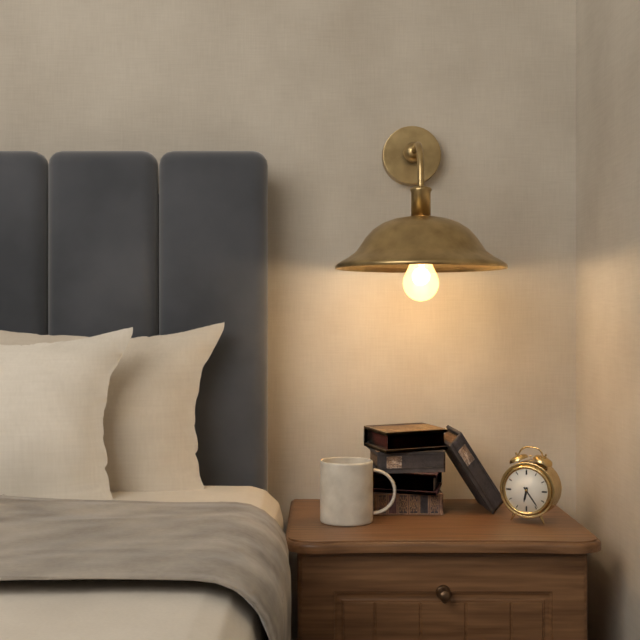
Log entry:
6 h 24 min
